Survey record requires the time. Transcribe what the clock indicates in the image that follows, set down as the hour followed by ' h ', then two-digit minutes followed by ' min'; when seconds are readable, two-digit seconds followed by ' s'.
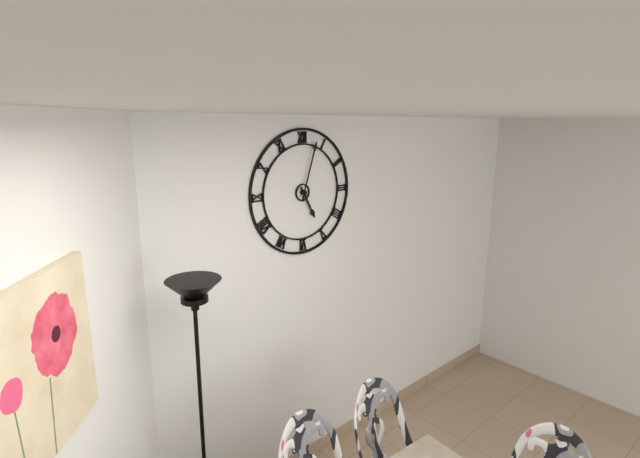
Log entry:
5 h 03 min
